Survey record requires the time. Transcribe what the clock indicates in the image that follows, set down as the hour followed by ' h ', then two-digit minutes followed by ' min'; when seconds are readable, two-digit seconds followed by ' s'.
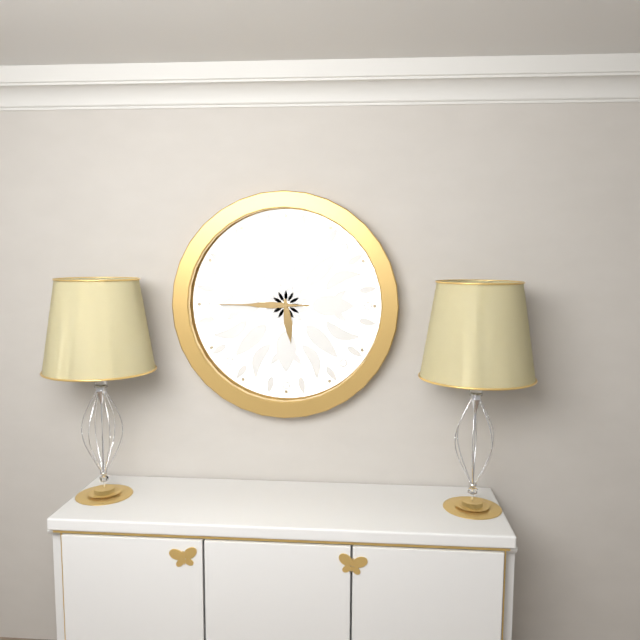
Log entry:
5 h 45 min
